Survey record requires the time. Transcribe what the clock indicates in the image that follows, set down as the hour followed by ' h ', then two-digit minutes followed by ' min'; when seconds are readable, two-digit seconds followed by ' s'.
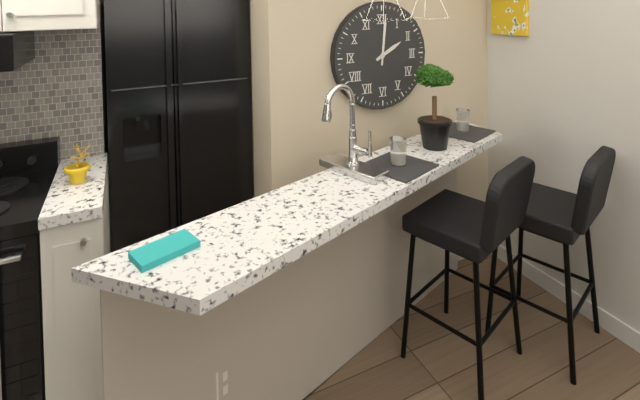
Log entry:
2 h 01 min
